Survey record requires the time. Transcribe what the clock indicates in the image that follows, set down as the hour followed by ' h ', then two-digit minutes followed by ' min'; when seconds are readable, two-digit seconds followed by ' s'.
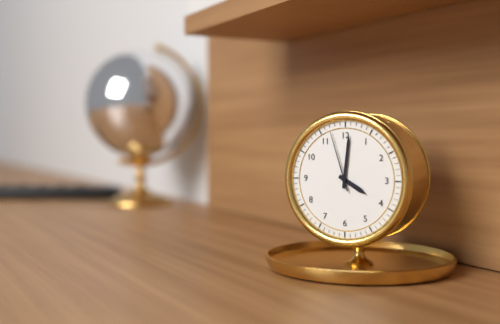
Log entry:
4 h 01 min 57 s
